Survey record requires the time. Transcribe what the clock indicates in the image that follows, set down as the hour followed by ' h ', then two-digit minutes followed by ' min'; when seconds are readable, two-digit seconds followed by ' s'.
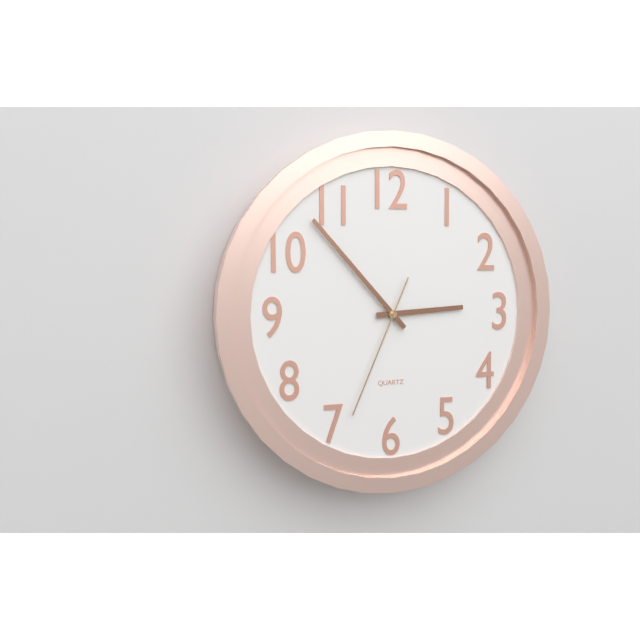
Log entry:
2 h 53 min 34 s
